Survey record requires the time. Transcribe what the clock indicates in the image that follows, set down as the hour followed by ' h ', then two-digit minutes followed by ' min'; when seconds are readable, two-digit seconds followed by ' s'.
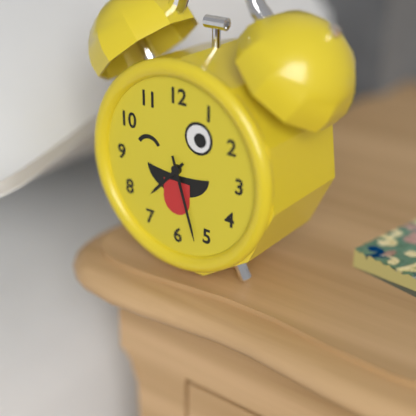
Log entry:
7 h 27 min
